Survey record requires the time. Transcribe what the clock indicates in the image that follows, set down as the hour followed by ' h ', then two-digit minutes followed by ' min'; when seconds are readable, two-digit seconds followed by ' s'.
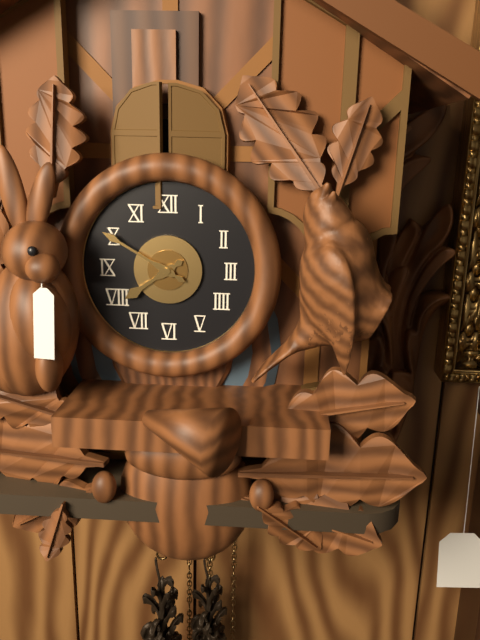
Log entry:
7 h 50 min
